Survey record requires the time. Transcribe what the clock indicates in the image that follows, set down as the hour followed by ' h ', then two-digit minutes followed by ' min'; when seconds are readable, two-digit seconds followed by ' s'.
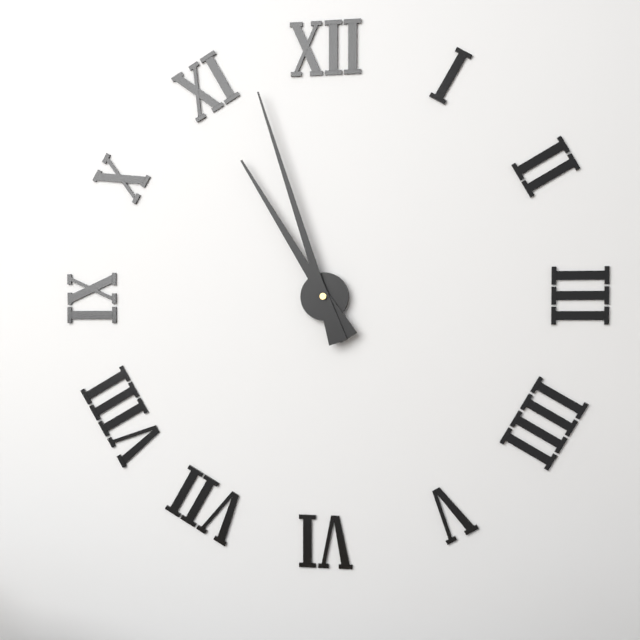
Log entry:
10 h 57 min
